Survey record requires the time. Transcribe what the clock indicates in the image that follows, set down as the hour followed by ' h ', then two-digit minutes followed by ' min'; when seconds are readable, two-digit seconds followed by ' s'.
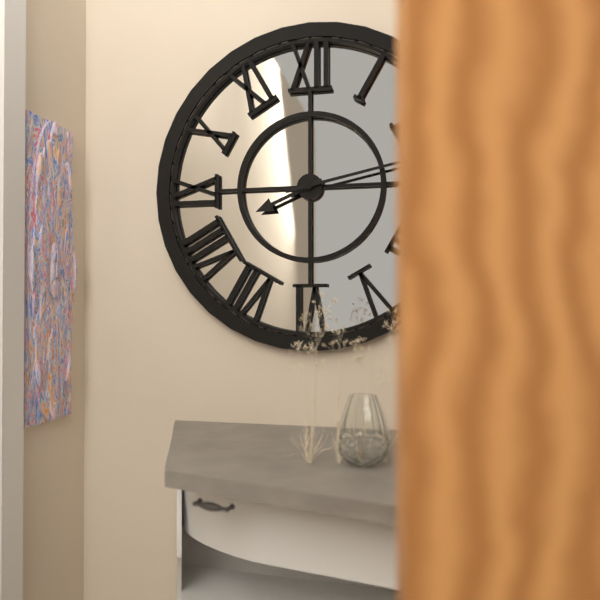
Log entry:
8 h 13 min
